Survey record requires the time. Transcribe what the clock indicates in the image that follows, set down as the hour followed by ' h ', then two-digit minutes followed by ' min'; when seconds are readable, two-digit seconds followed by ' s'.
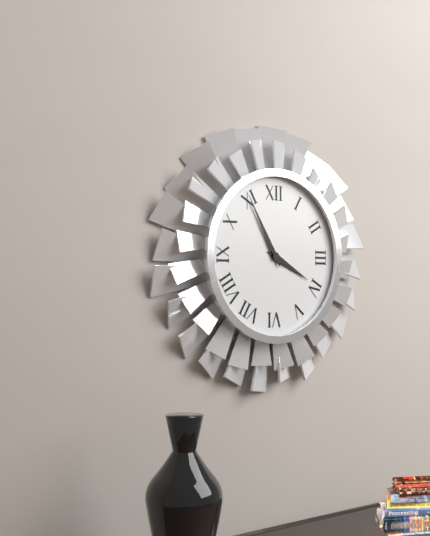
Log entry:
3 h 55 min
